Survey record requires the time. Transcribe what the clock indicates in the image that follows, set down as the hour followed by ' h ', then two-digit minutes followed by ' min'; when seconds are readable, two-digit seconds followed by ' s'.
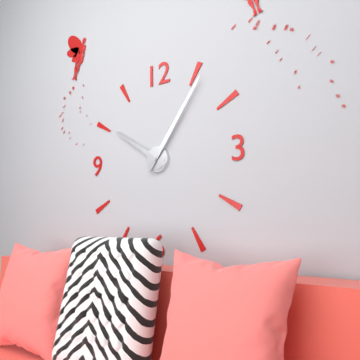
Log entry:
10 h 06 min
